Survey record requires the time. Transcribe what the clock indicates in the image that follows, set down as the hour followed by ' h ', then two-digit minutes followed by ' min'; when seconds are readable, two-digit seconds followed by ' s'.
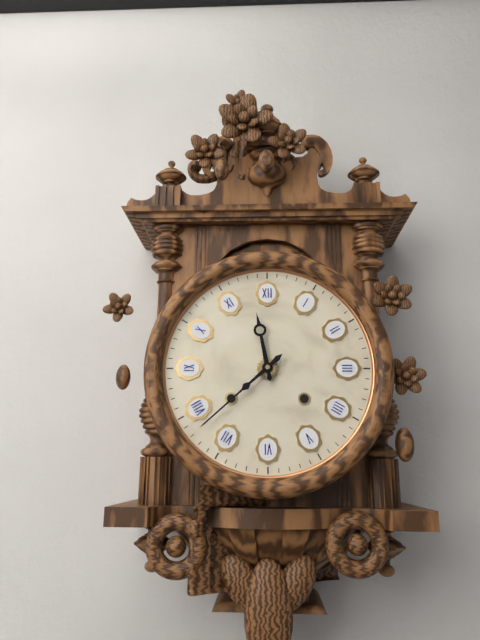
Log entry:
11 h 38 min
